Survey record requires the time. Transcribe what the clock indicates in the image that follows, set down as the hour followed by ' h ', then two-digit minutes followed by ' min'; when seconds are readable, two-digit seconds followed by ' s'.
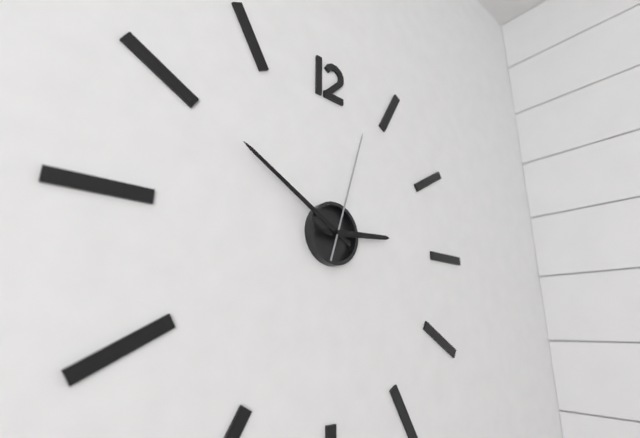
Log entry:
2 h 50 min 03 s
